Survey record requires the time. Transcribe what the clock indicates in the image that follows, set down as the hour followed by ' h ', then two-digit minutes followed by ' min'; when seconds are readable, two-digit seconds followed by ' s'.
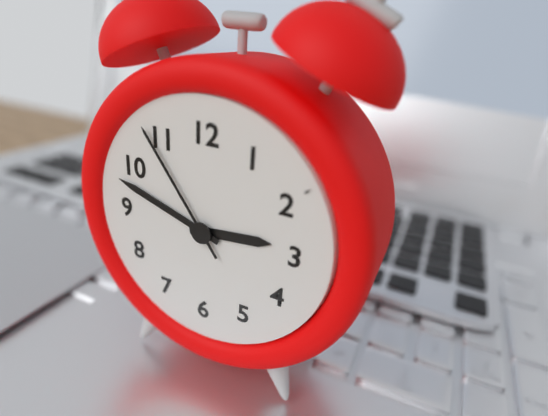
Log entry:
2 h 48 min 54 s
